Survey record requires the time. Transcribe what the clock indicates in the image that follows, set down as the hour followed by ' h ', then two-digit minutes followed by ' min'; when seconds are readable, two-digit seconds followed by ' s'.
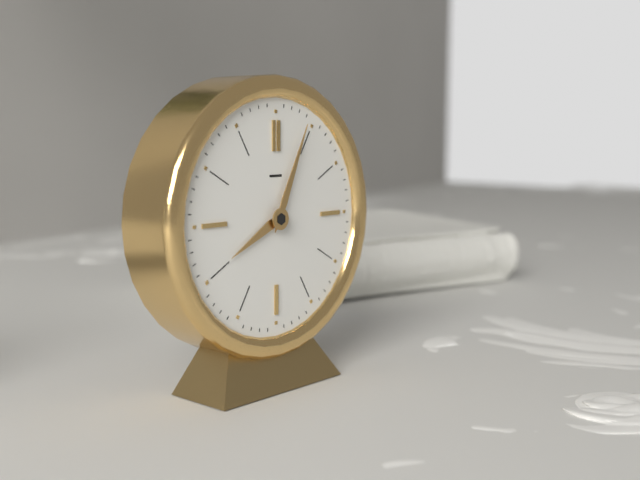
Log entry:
8 h 04 min
